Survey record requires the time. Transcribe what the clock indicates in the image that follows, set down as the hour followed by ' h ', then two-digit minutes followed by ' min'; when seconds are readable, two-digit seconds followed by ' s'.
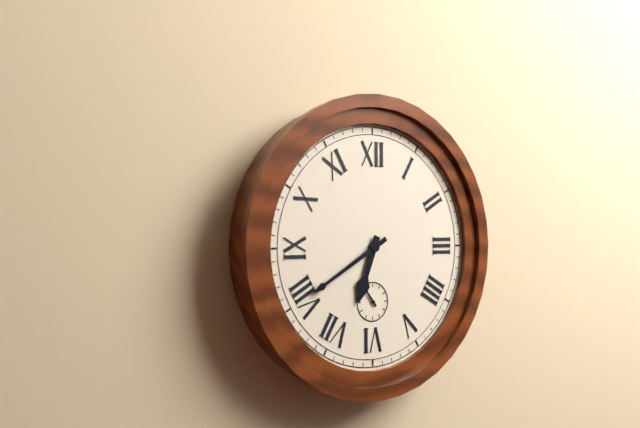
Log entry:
6 h 40 min
